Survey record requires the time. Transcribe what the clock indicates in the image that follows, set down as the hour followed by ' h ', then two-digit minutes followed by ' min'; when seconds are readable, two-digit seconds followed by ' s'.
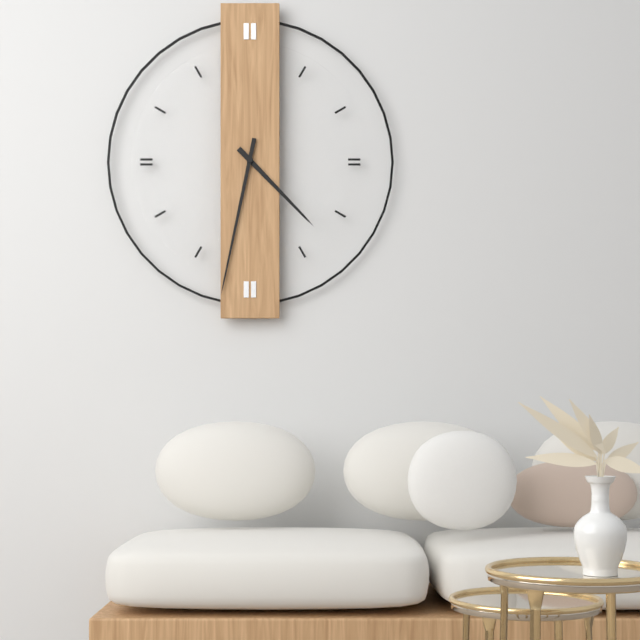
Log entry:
4 h 32 min
